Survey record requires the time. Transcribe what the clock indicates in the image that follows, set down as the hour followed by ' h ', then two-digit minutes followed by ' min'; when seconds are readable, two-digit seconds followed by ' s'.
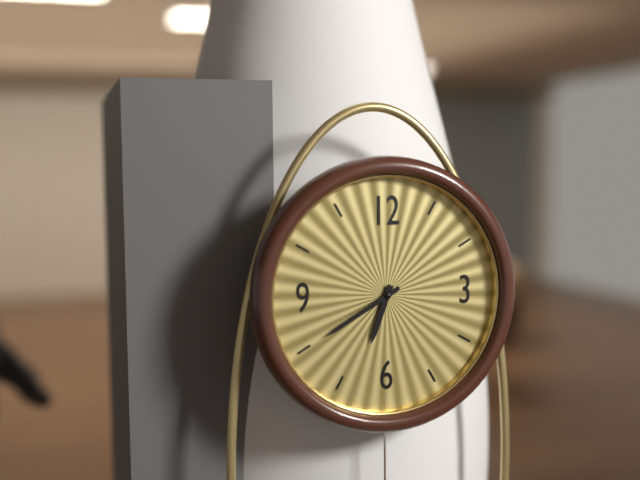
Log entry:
6 h 40 min
